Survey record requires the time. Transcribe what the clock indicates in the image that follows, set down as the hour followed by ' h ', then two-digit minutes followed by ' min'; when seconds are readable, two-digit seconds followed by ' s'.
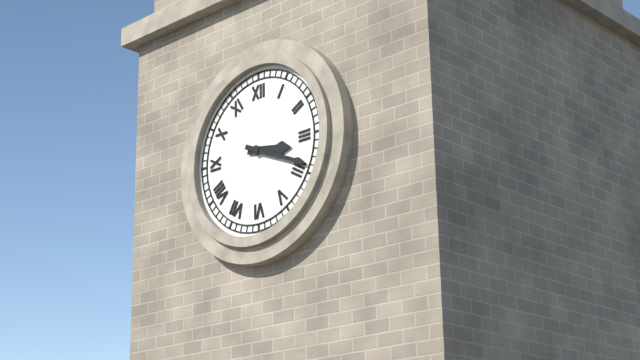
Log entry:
3 h 19 min
